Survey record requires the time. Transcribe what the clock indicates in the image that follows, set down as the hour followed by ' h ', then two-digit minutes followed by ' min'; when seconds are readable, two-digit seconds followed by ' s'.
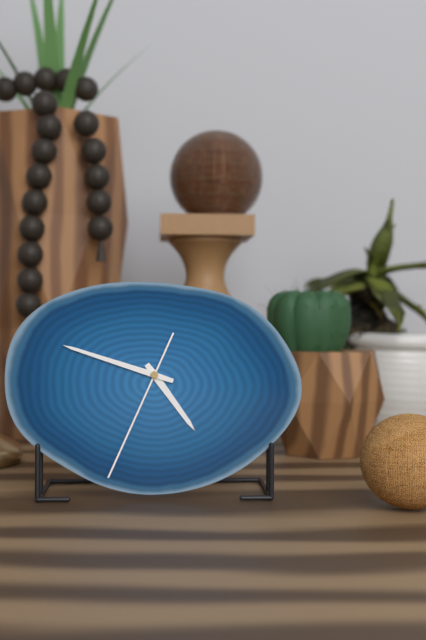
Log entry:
4 h 48 min 34 s
